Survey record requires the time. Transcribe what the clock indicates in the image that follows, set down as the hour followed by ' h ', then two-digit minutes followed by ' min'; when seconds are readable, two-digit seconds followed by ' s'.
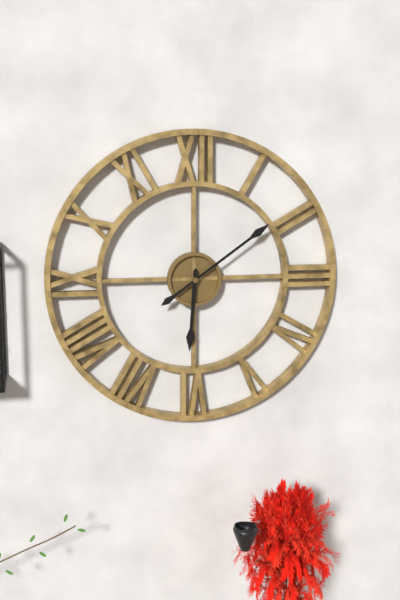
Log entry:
6 h 09 min
